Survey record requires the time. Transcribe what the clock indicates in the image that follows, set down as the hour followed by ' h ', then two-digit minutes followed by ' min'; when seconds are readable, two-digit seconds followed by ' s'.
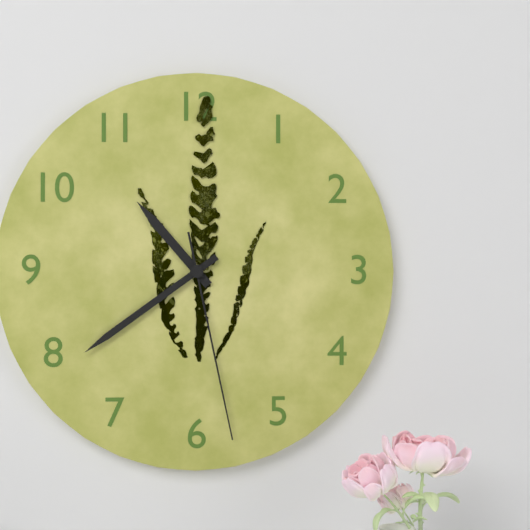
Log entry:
10 h 39 min 28 s
